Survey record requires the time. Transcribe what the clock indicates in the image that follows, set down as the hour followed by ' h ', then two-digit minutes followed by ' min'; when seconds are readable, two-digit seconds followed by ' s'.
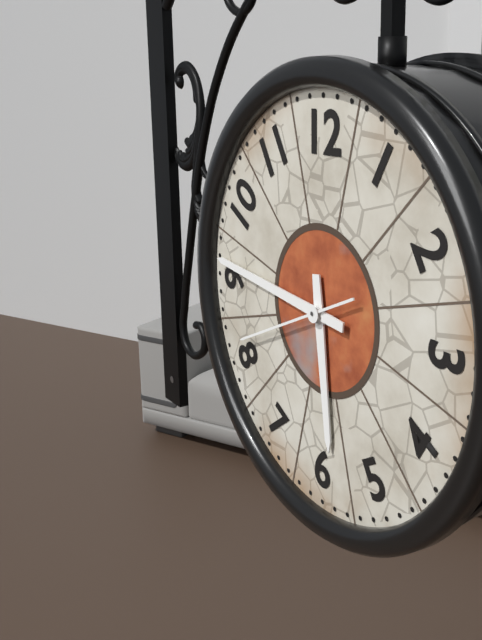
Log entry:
5 h 46 min 41 s
